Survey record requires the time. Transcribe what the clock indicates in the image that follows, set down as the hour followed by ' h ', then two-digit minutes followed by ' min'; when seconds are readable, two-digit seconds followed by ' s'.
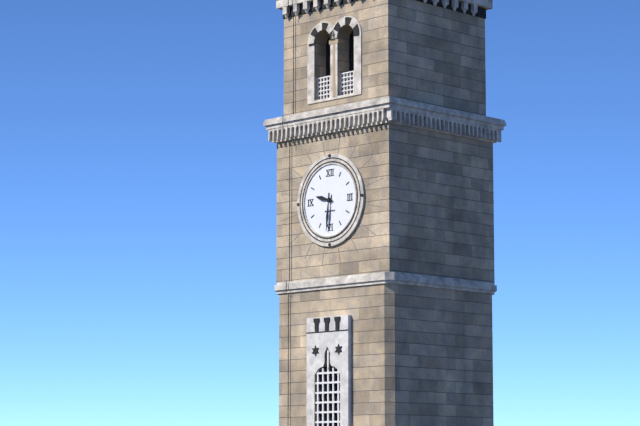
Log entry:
9 h 31 min
